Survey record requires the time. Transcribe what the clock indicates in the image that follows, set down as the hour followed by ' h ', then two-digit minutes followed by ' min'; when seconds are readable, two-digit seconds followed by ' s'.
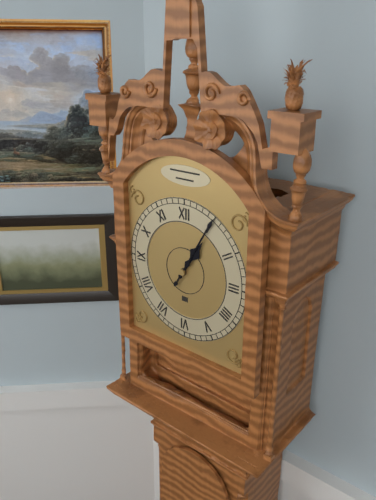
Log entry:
1 h 05 min
